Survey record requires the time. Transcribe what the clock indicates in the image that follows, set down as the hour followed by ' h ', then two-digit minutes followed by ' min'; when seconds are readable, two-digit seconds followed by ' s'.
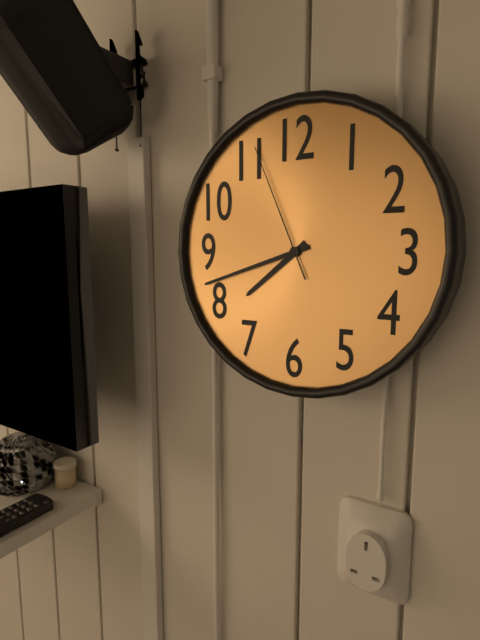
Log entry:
7 h 42 min 56 s
